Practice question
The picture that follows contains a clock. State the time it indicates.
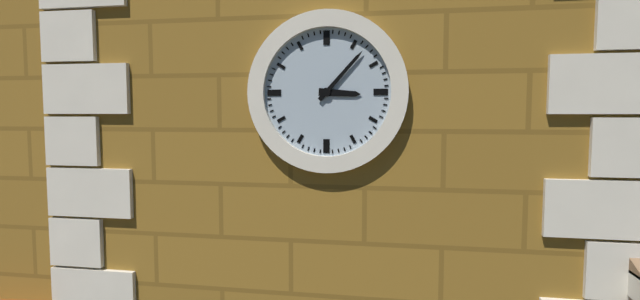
3:07
